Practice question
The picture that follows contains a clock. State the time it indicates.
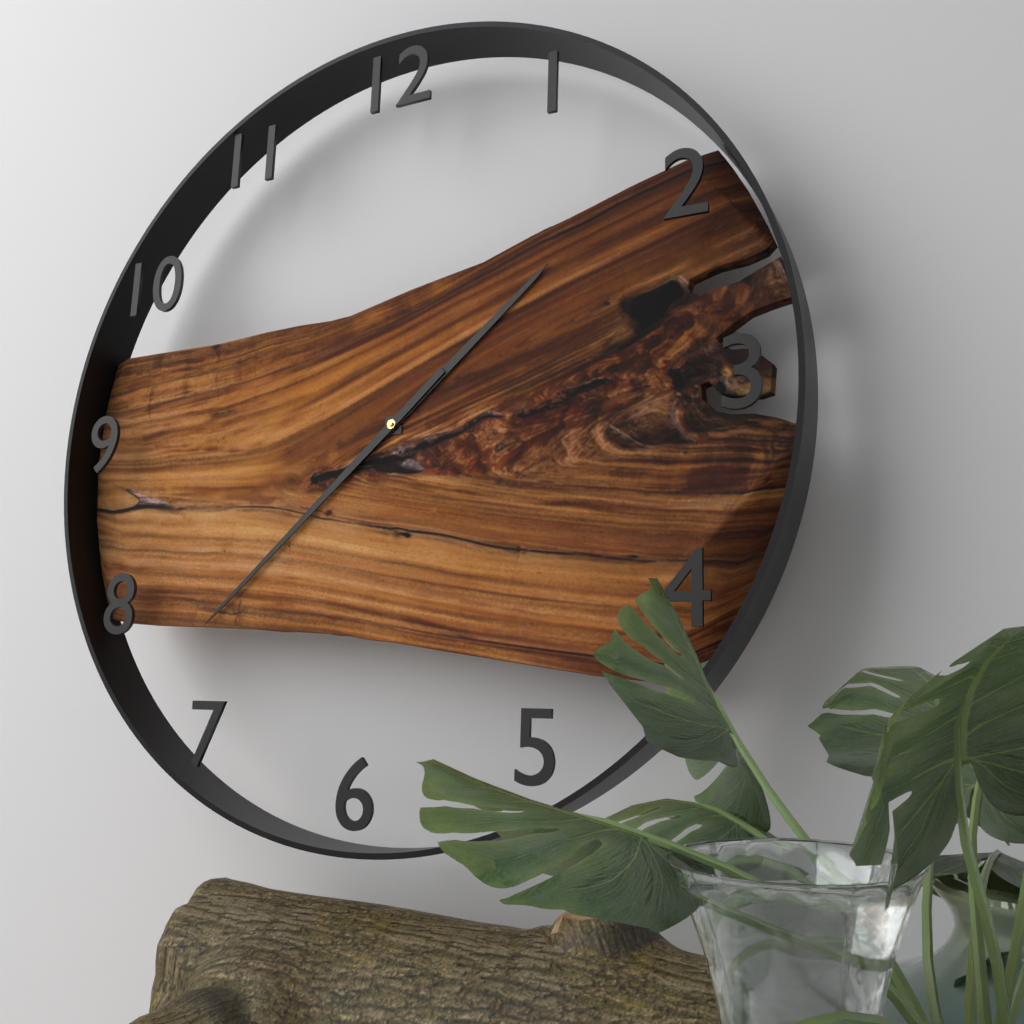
1:38
